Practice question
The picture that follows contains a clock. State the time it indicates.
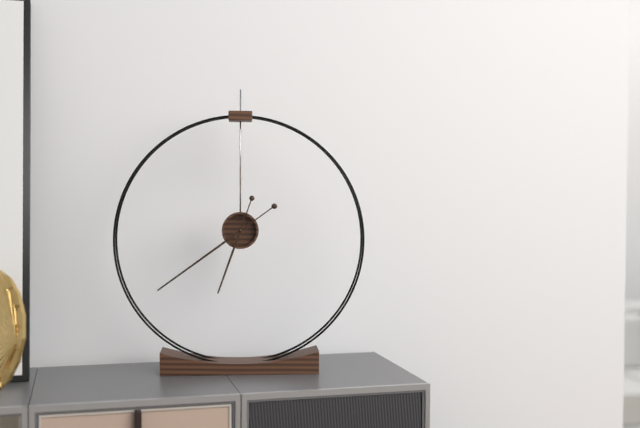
6:39
